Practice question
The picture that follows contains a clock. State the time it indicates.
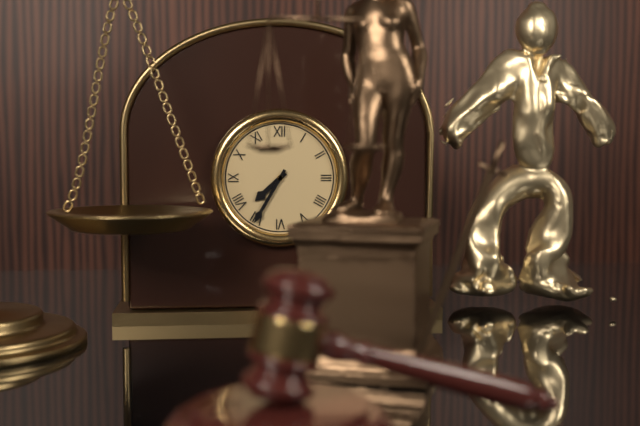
7:35
